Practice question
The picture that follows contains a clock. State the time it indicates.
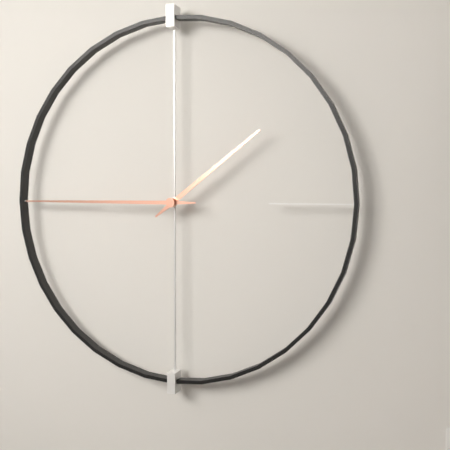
1:45
